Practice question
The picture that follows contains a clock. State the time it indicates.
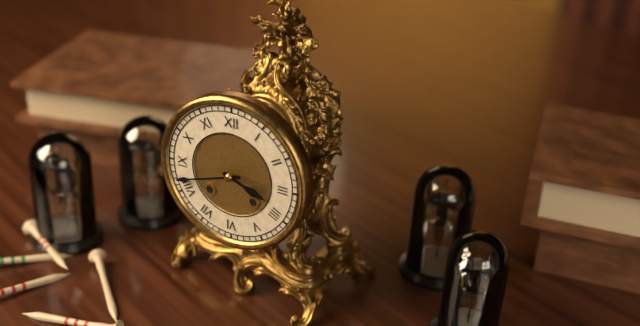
3:42
